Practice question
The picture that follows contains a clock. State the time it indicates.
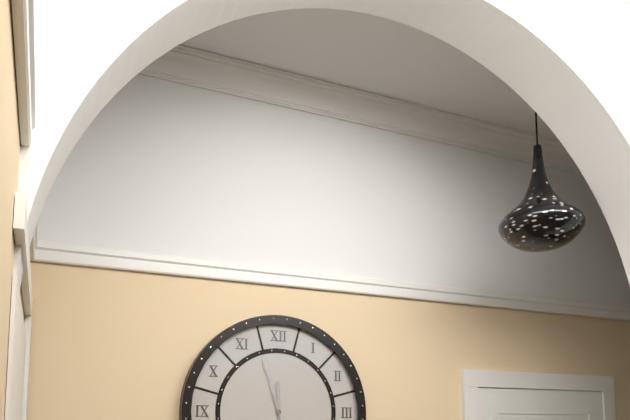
11:57
